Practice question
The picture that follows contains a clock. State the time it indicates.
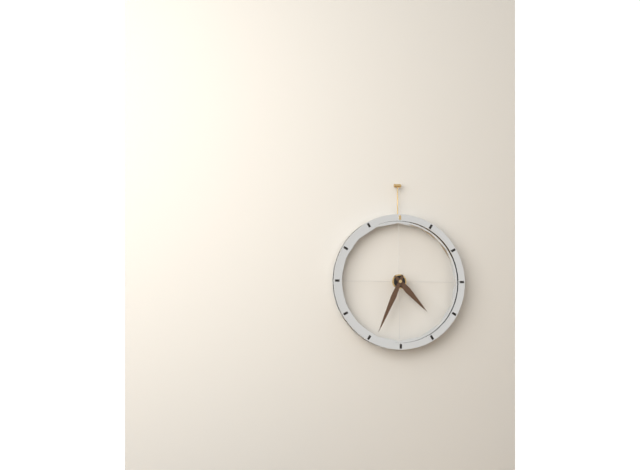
4:34
